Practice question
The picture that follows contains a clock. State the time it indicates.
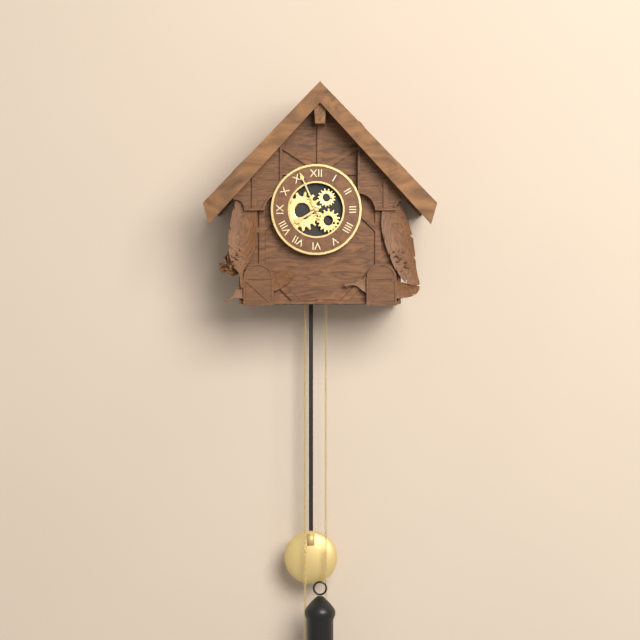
7:56
